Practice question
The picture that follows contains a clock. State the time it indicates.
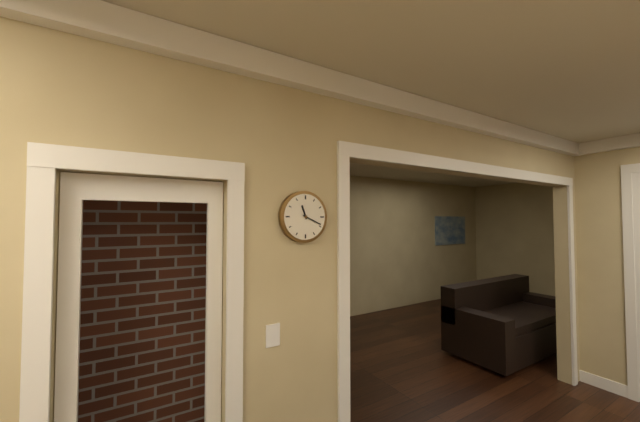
11:19
